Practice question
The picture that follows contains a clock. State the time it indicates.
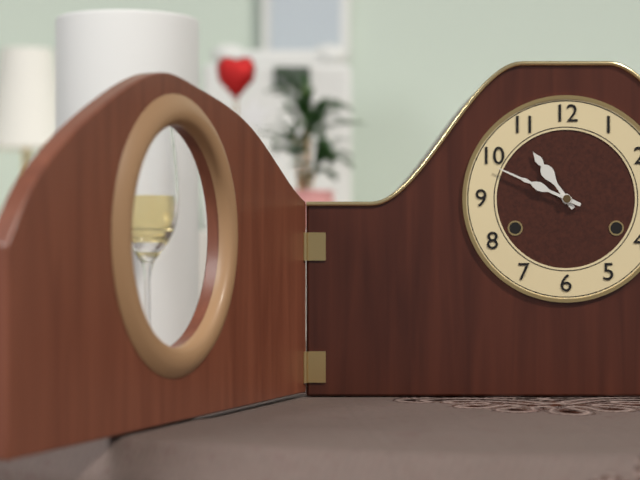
10:49
